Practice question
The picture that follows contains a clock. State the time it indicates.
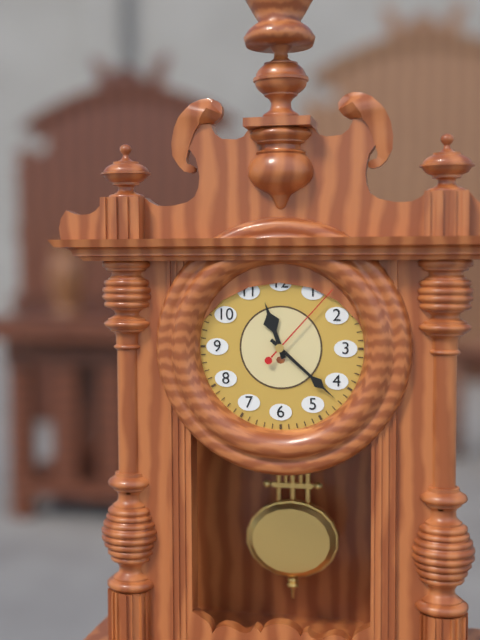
11:22:07
